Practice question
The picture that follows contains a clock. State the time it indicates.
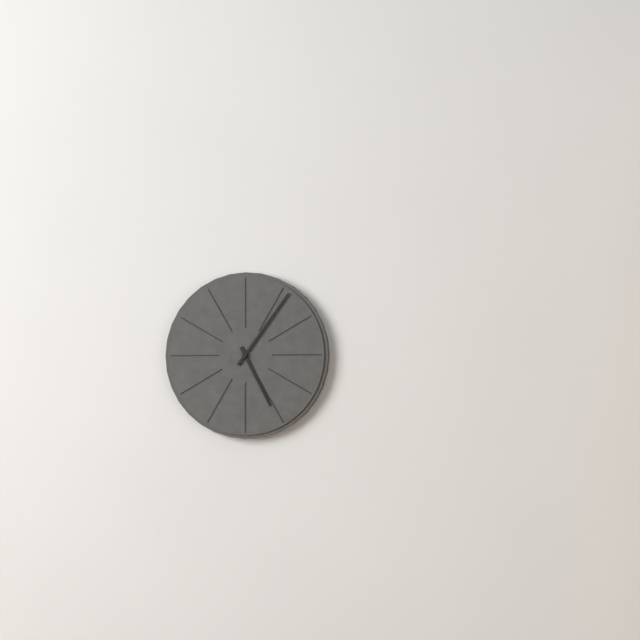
5:06
